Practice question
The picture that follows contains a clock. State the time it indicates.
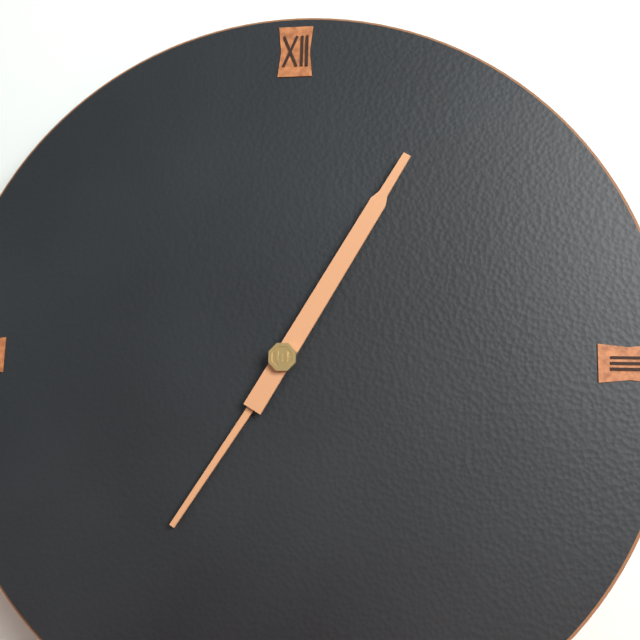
7:05
